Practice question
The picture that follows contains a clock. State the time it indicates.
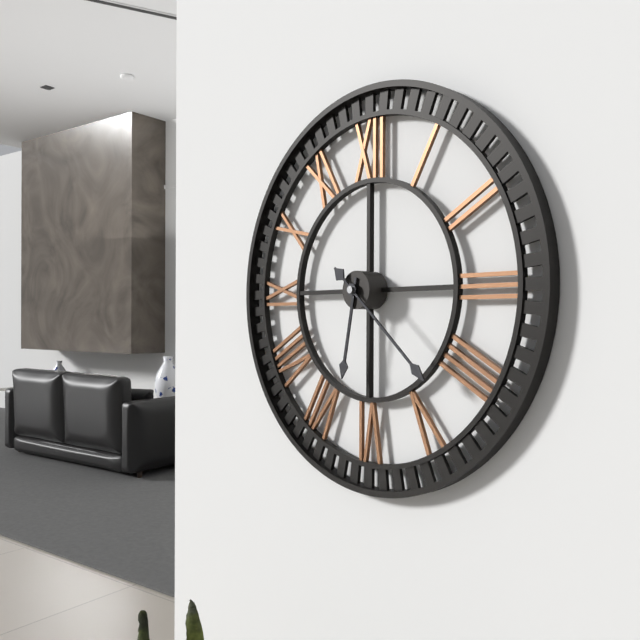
6:22
